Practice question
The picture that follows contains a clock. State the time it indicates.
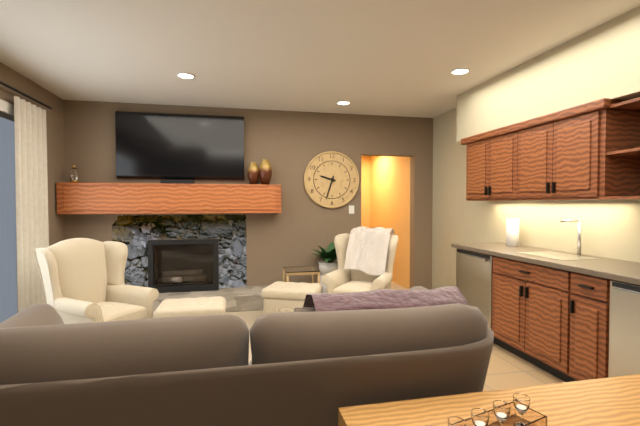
9:33
